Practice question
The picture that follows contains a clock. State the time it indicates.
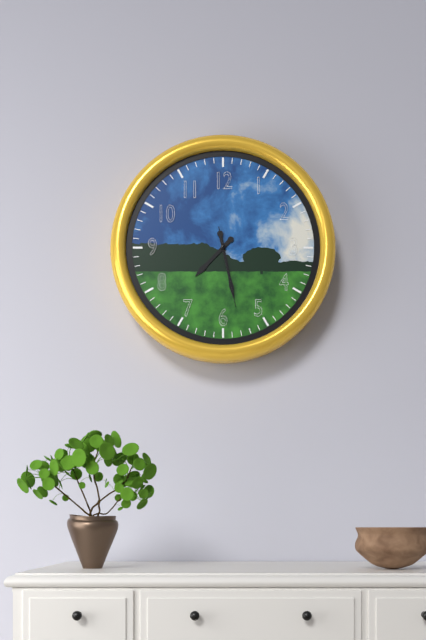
7:28:28
